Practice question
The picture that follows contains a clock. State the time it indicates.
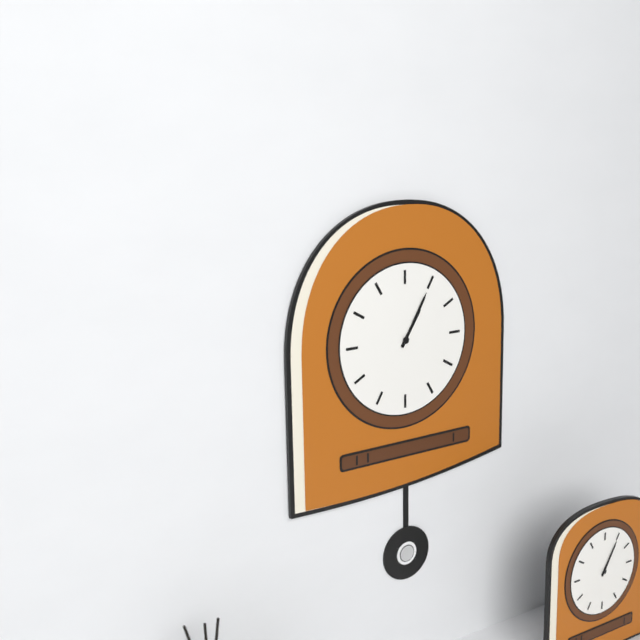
1:05
